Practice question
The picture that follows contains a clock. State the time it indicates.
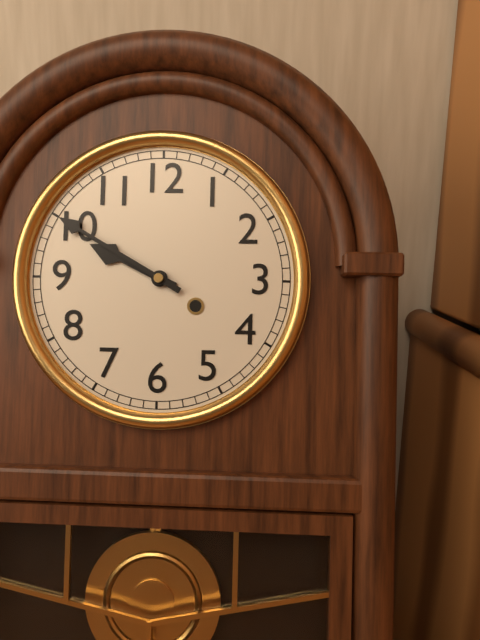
9:50
